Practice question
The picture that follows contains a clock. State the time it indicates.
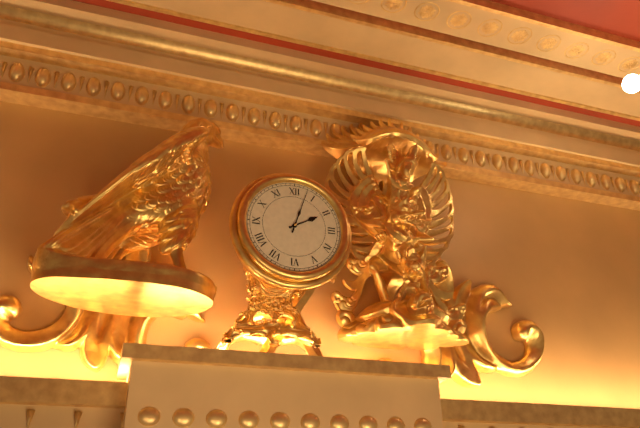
2:03
